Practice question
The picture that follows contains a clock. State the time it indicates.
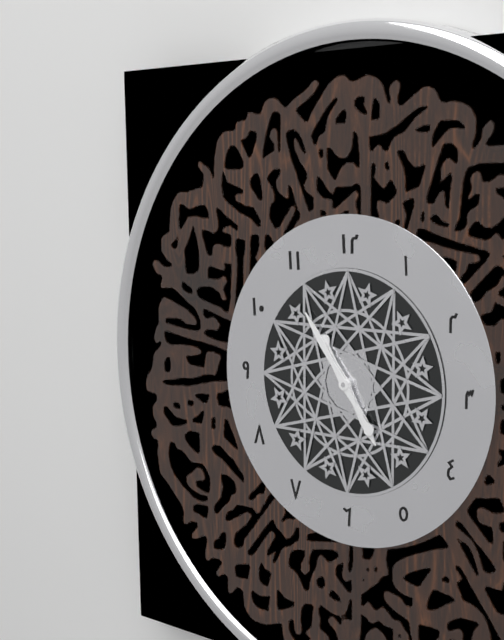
4:54
